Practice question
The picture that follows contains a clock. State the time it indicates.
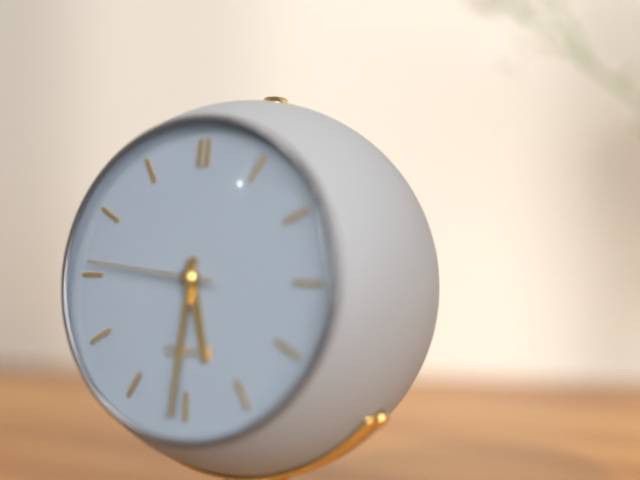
5:31:46
